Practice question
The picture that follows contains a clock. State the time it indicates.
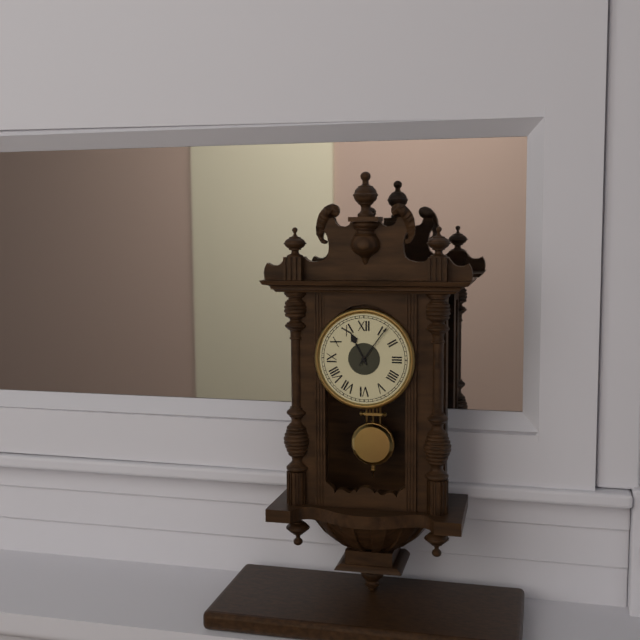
11:06
